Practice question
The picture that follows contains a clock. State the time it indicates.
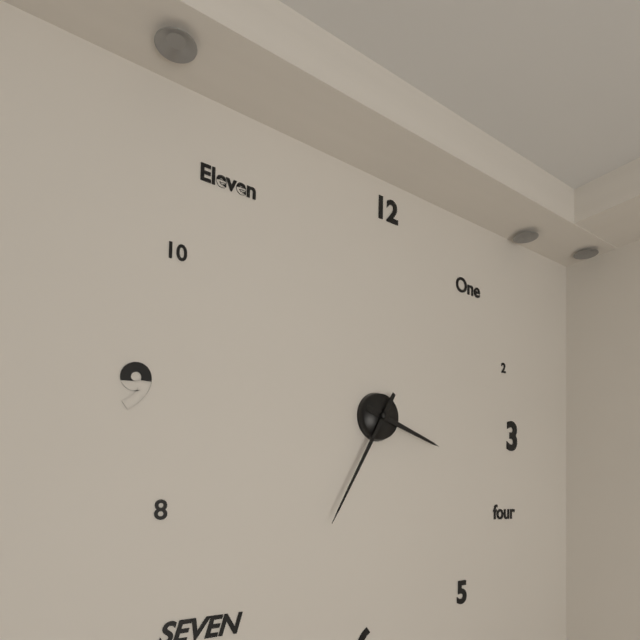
3:35
